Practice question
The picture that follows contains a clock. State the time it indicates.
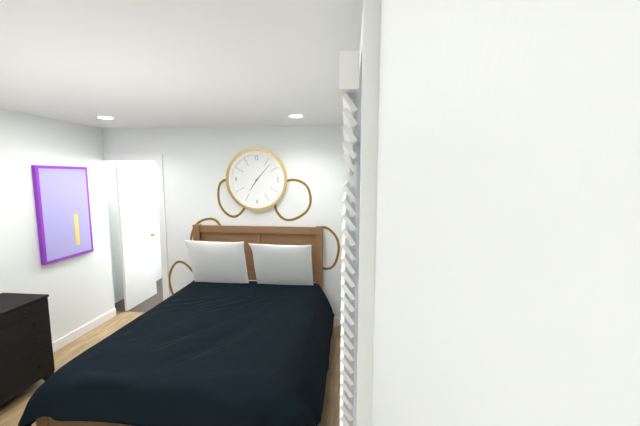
7:07
